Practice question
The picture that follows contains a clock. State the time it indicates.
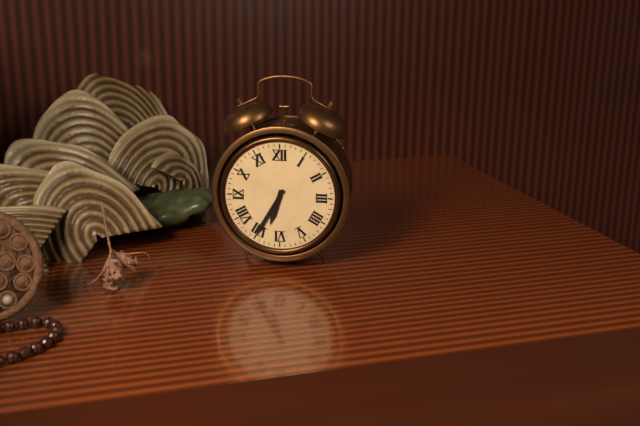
6:35
